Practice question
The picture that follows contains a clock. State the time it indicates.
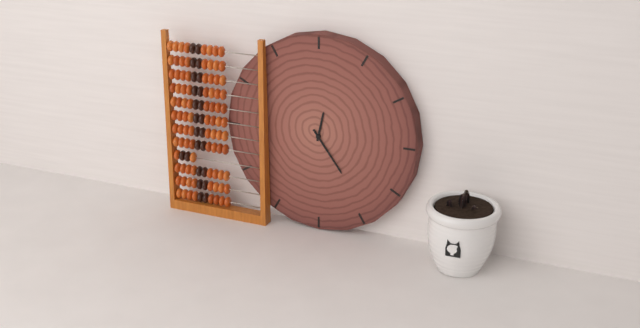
12:24
